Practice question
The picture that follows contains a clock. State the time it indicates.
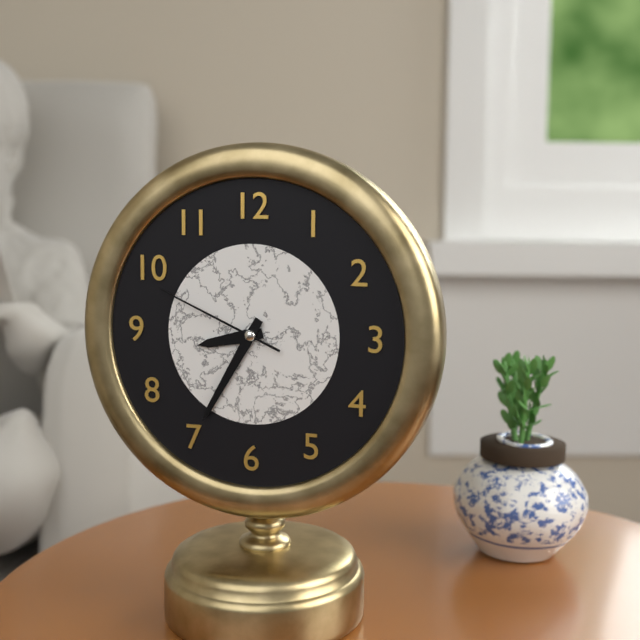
8:35:49
